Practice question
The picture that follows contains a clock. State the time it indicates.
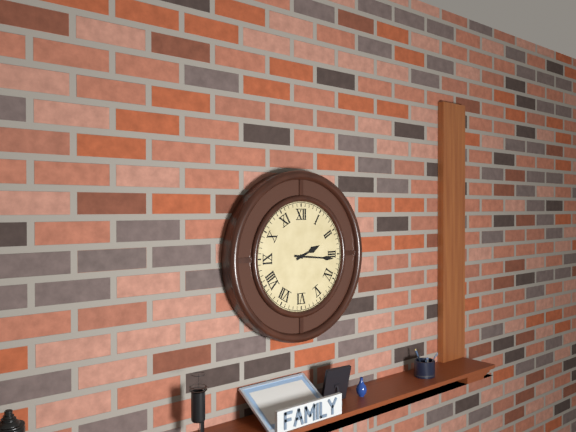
2:16
